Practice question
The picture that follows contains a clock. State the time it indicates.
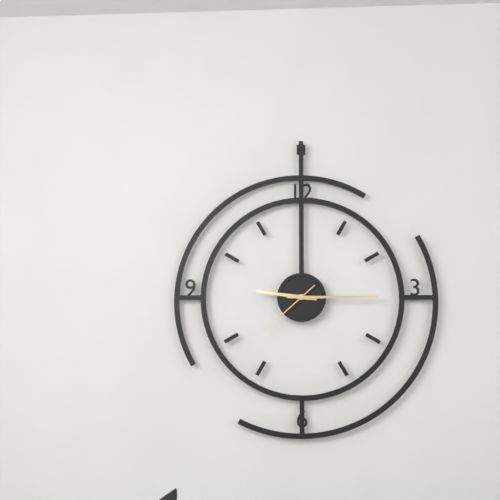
9:15:38
